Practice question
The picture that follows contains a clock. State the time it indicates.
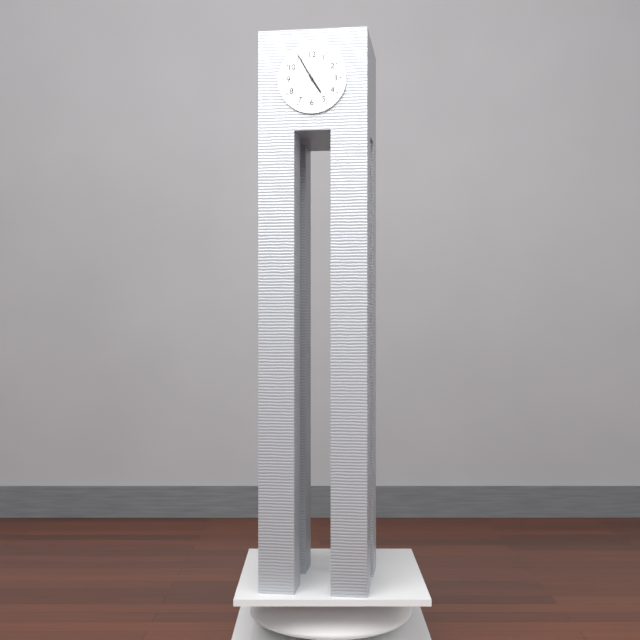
4:55
